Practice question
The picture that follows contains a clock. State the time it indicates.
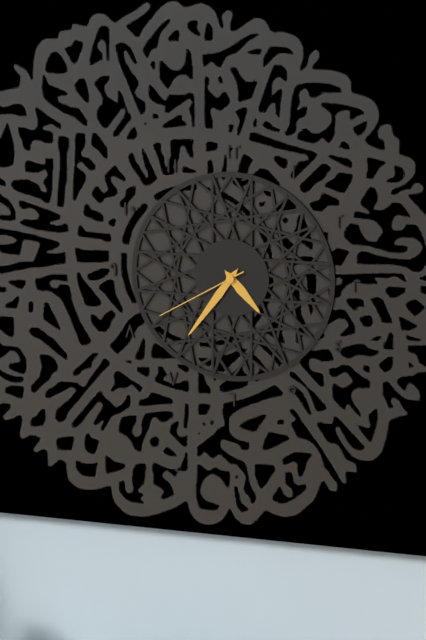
4:36:40
